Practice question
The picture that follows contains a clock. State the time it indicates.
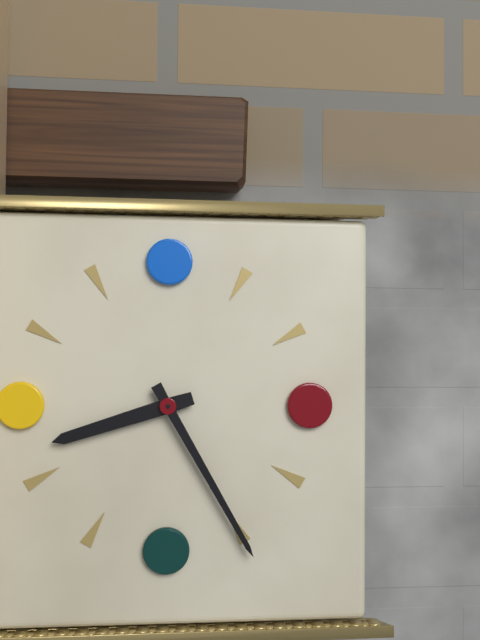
8:25
